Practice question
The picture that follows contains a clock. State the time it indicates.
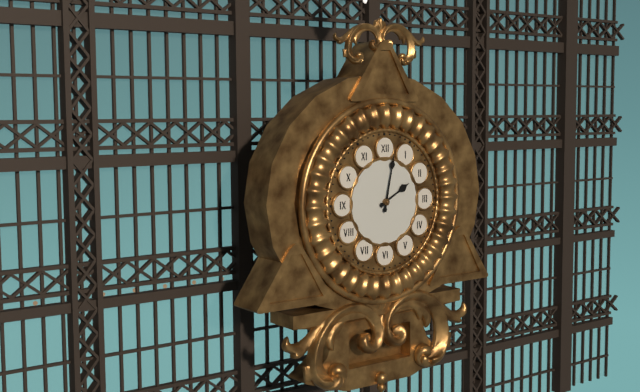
2:02
